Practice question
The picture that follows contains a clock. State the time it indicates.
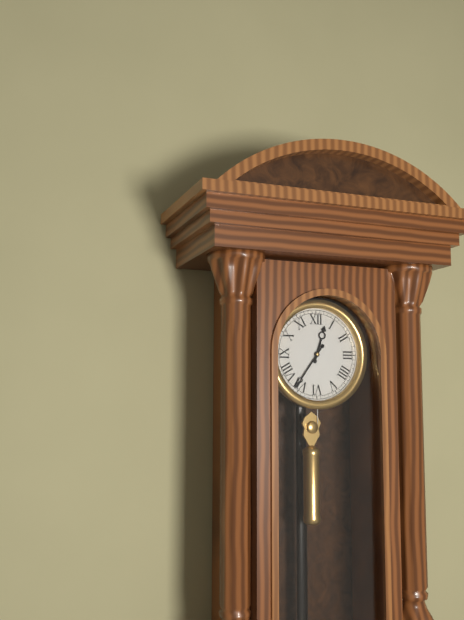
12:36
